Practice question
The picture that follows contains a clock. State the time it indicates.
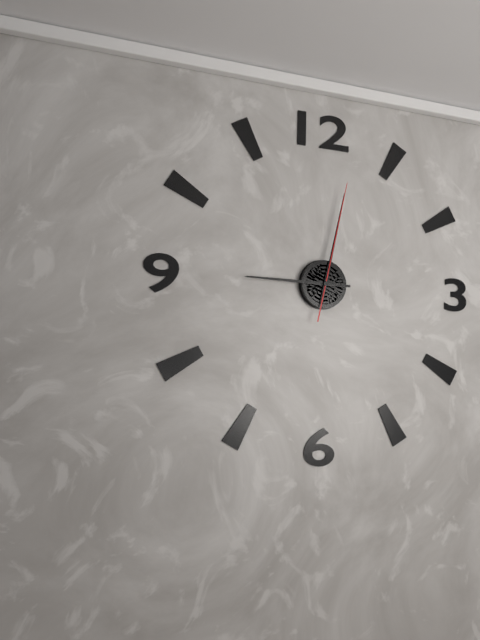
9:02:02
